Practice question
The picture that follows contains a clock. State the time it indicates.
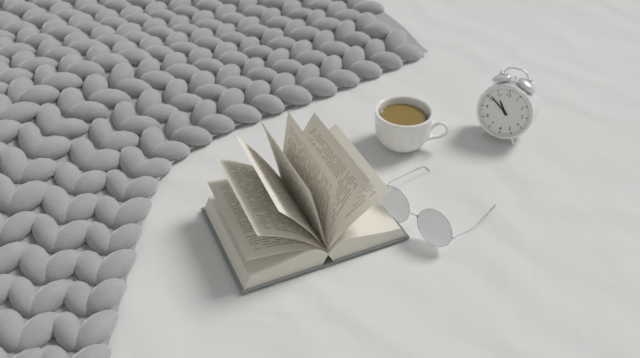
10:51
